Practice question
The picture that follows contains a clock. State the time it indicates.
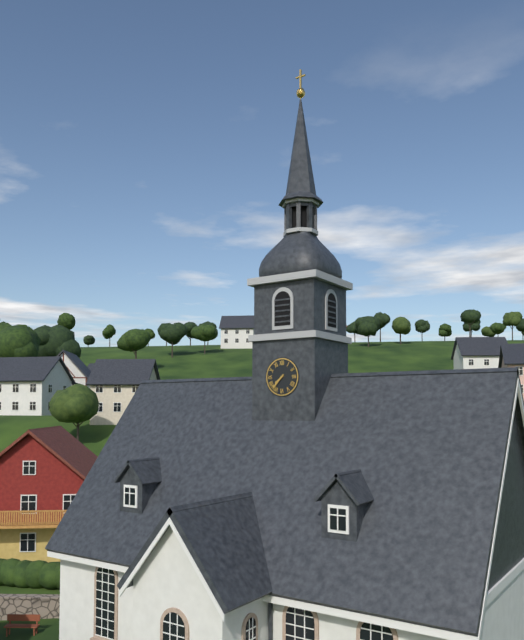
7:37
